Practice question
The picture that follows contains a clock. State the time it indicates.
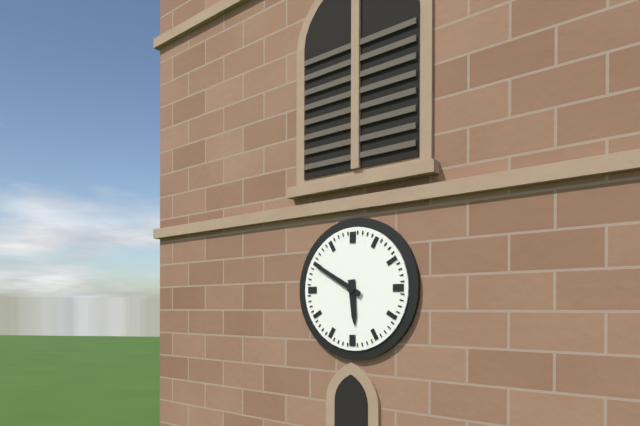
5:50
